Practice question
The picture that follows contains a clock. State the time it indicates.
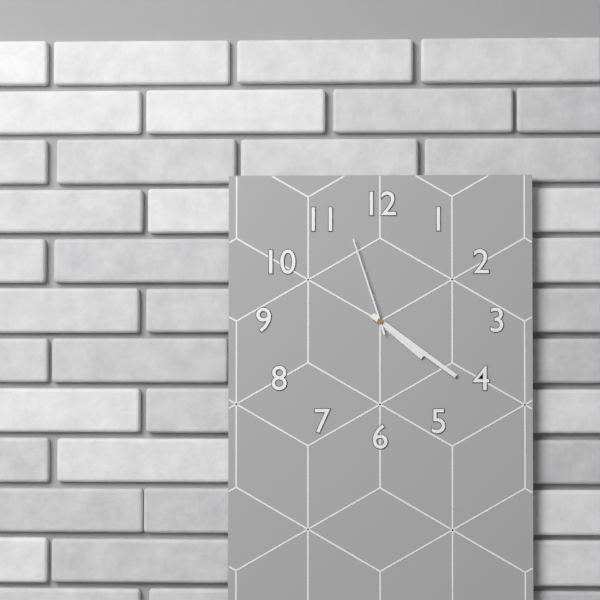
4:21:57
